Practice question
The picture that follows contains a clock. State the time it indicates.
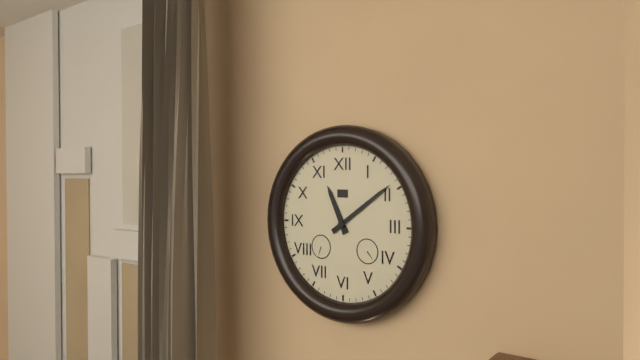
11:09
